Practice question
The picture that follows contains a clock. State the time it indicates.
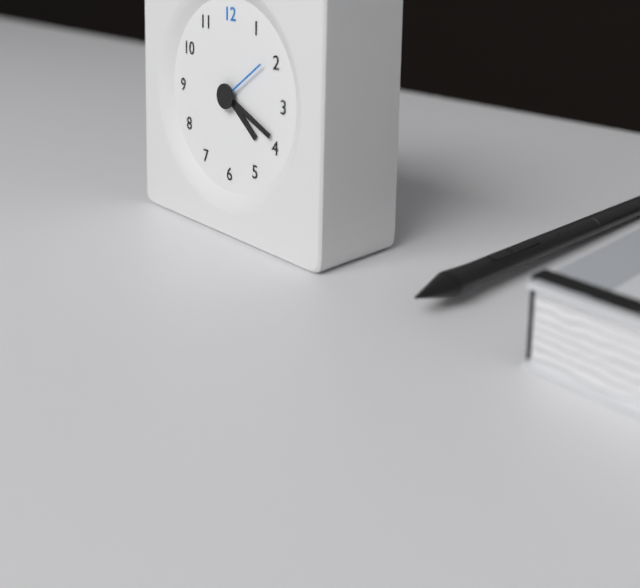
4:19:09
